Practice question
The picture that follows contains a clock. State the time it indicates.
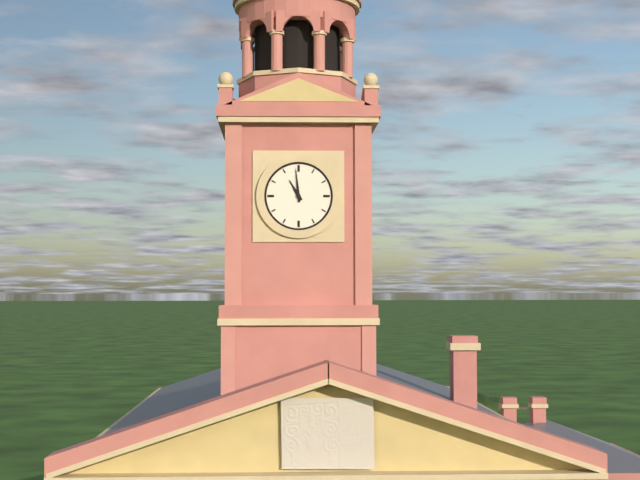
10:59
